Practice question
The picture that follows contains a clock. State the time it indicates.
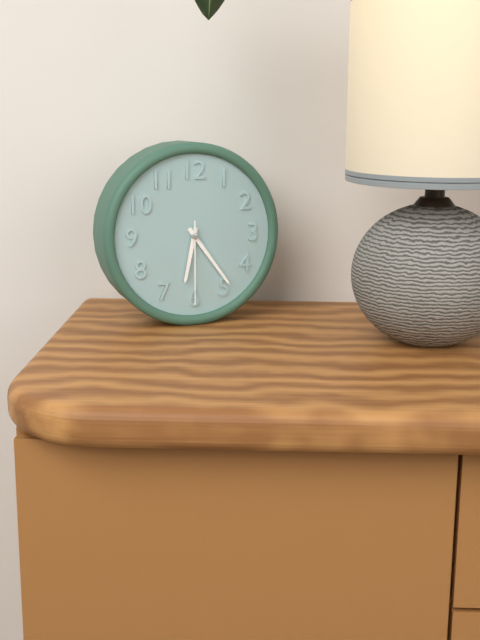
6:24:30
